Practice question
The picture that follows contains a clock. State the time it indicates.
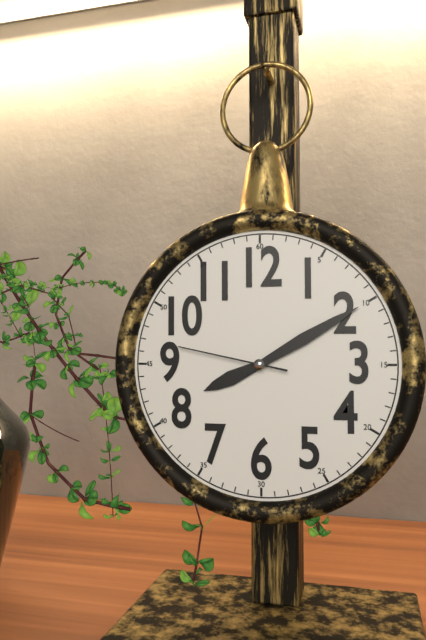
8:10:47
